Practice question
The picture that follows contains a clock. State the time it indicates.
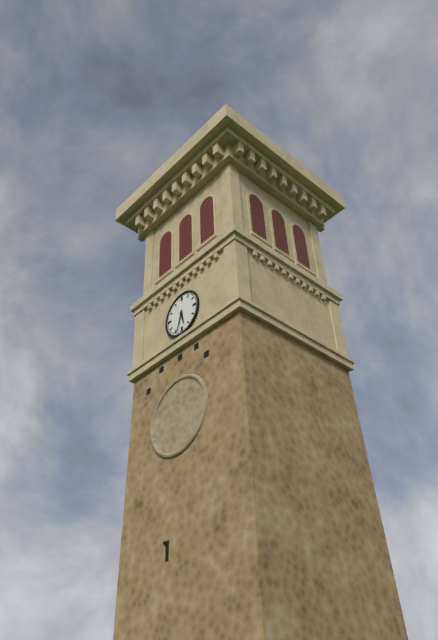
5:33
